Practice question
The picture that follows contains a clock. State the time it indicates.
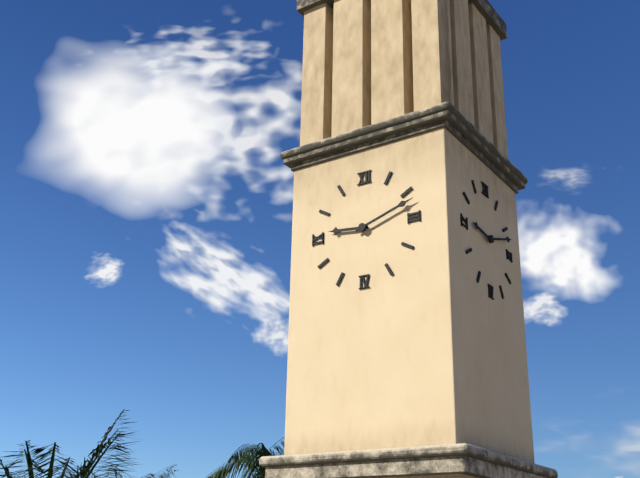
9:12
